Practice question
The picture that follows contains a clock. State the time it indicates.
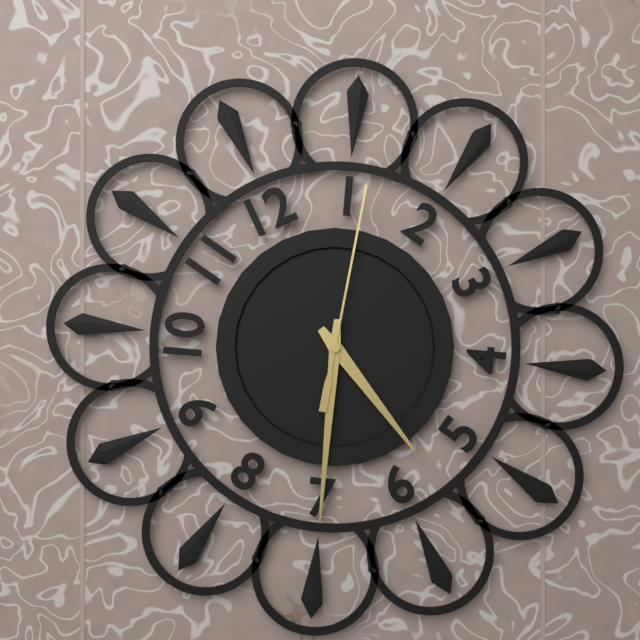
5:35:06
